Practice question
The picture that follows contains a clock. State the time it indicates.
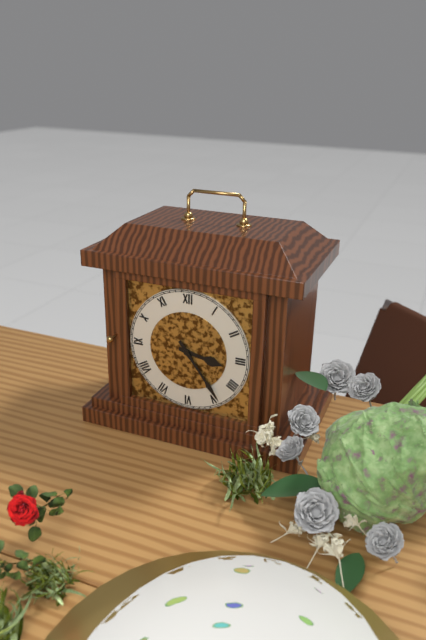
3:24
